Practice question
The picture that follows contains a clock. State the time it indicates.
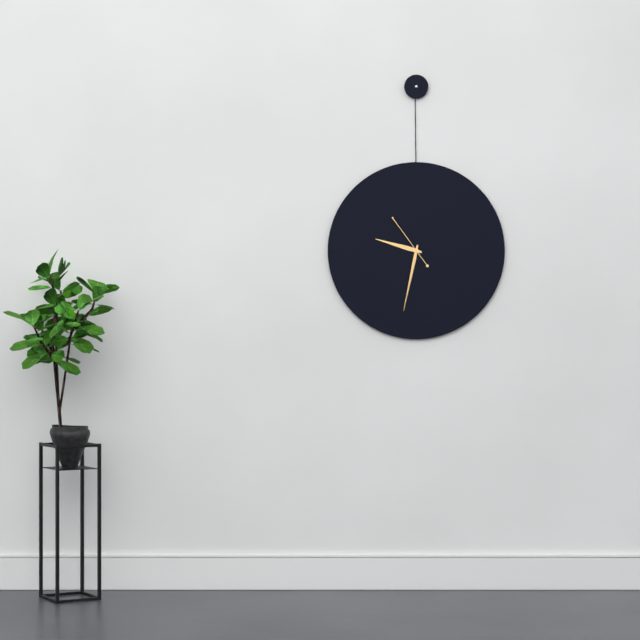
9:32:54
